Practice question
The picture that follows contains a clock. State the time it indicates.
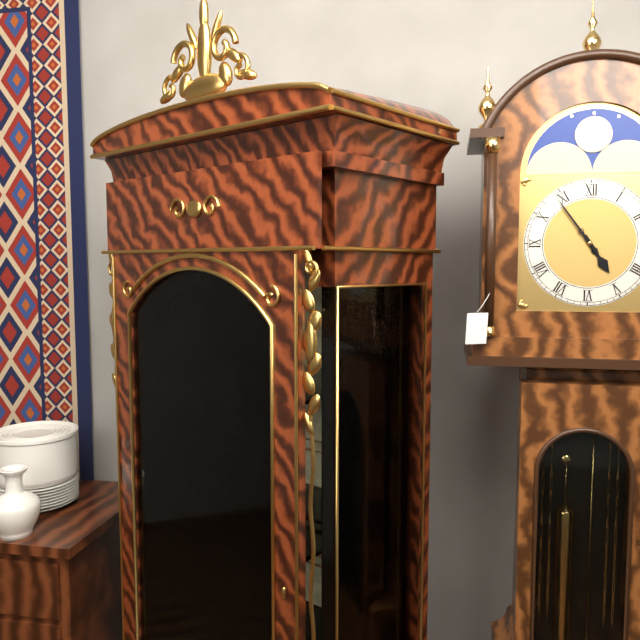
4:54
